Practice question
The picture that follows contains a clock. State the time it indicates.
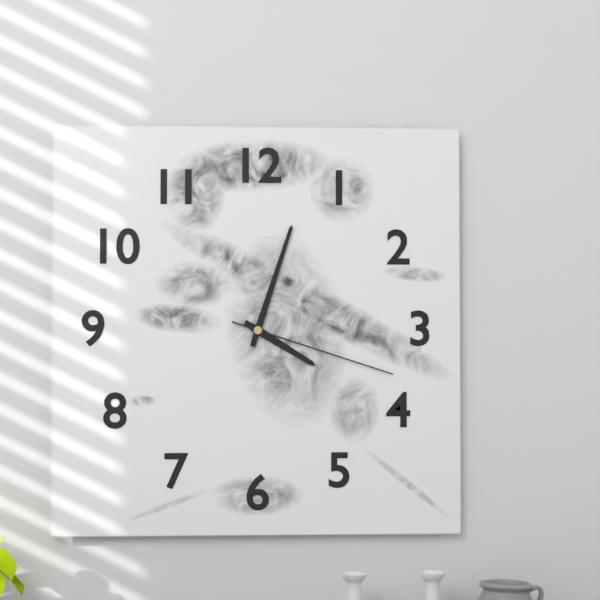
4:03:18
